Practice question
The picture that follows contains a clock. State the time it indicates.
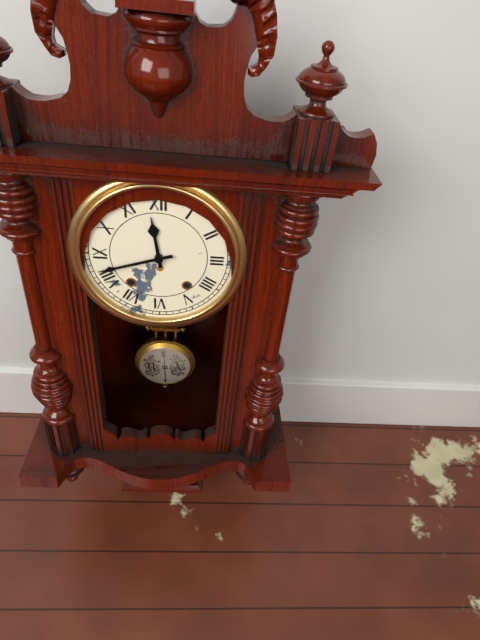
11:42
